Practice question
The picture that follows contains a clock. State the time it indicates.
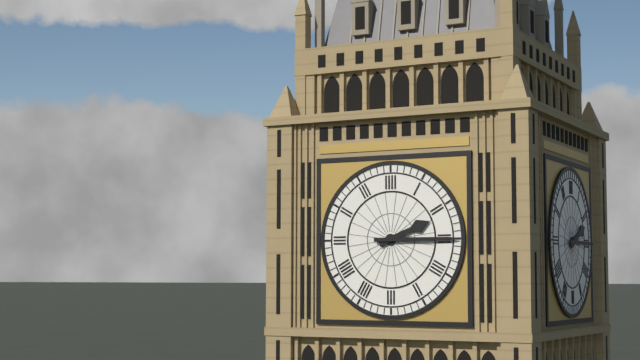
2:15
